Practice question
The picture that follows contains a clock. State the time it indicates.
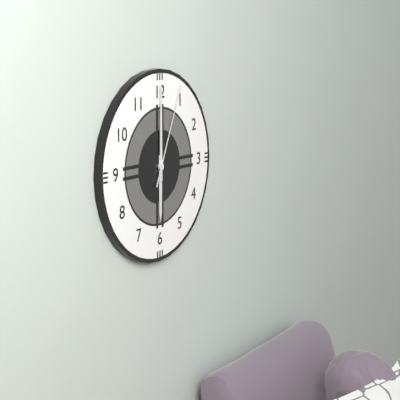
6:00:04
